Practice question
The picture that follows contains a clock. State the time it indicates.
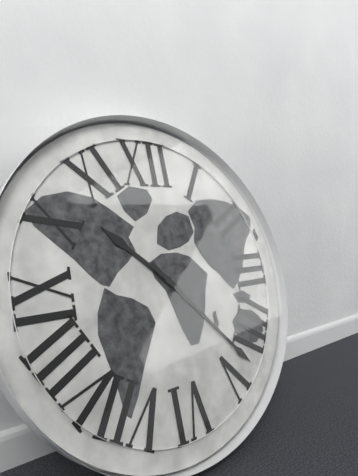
10:23
